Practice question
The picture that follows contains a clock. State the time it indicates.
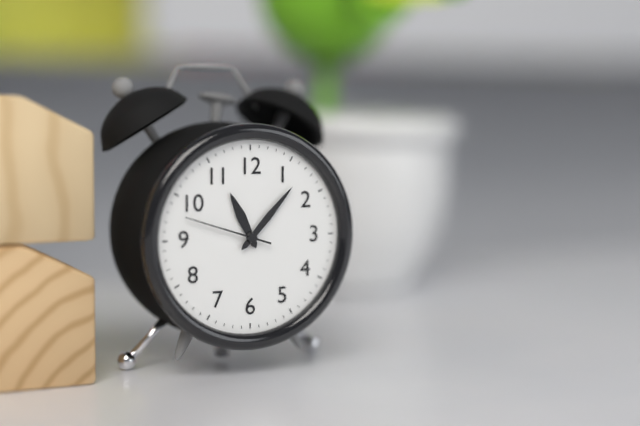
11:07:48
